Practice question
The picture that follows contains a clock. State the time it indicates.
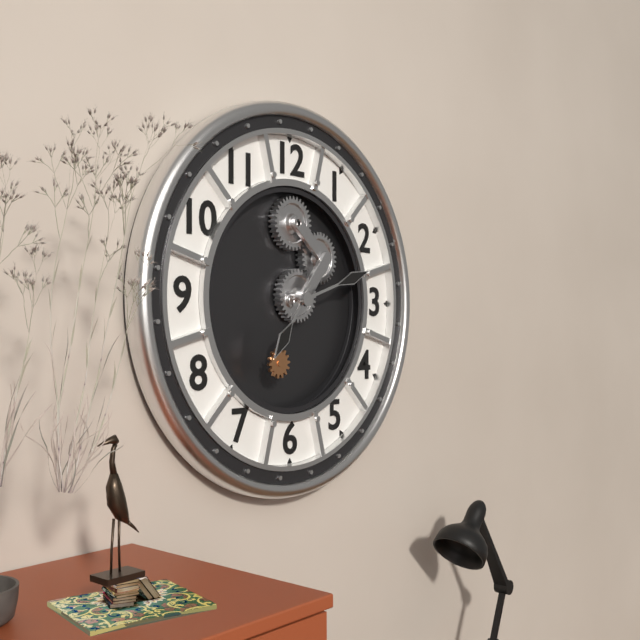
7:12
